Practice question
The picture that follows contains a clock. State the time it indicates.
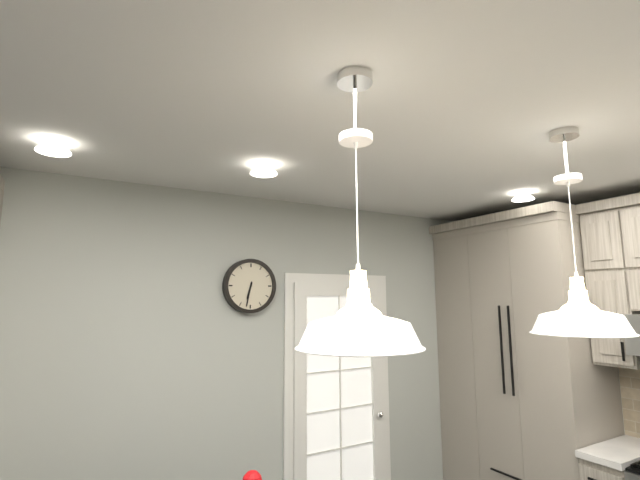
6:32
